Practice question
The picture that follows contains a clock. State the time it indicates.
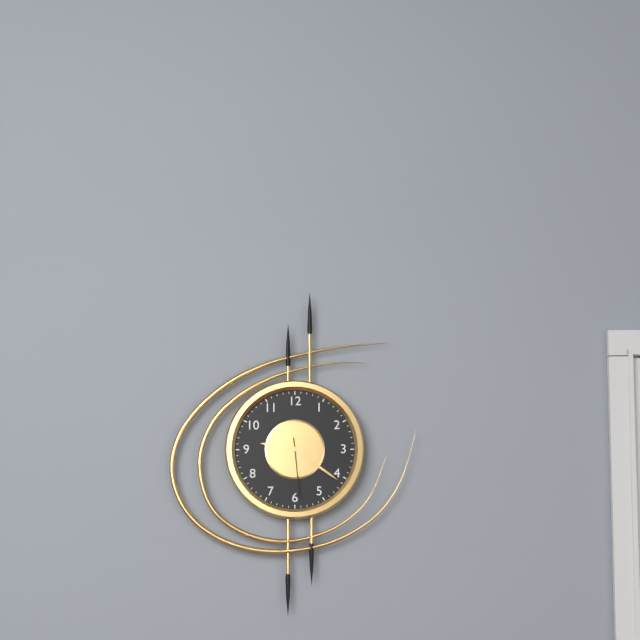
9:21:29
